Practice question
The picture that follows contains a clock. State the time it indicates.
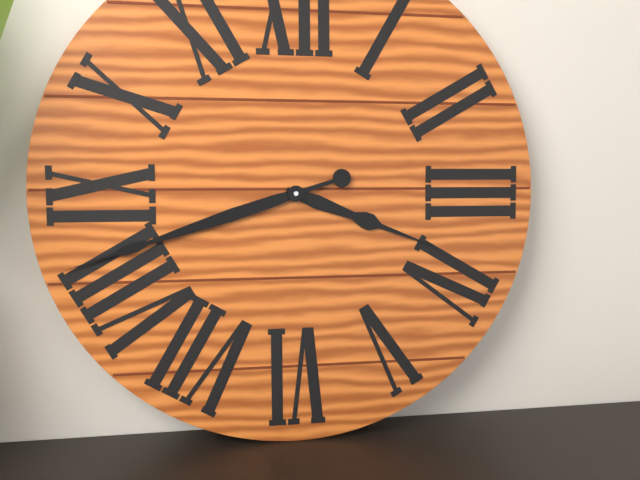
3:42
